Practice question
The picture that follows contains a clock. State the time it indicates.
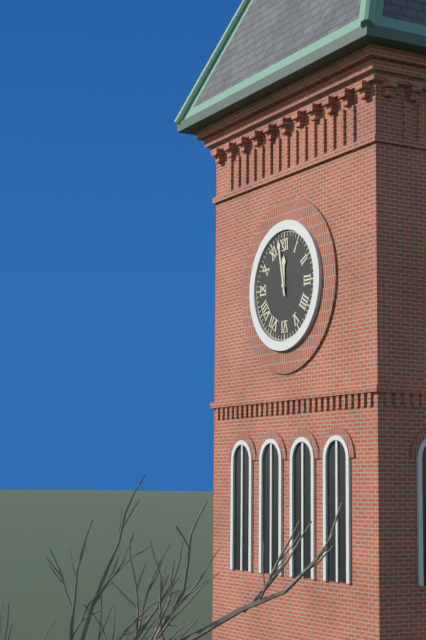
11:58
